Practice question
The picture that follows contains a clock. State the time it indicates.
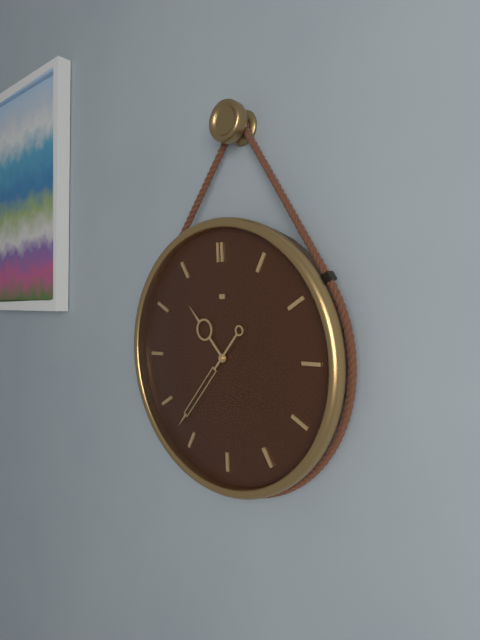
10:37
